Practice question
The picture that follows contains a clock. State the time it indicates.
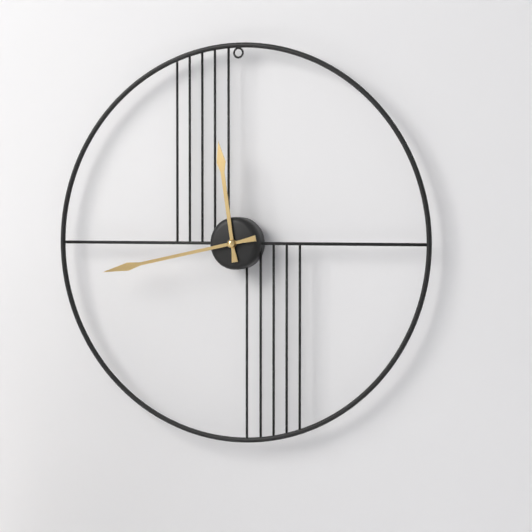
11:43
